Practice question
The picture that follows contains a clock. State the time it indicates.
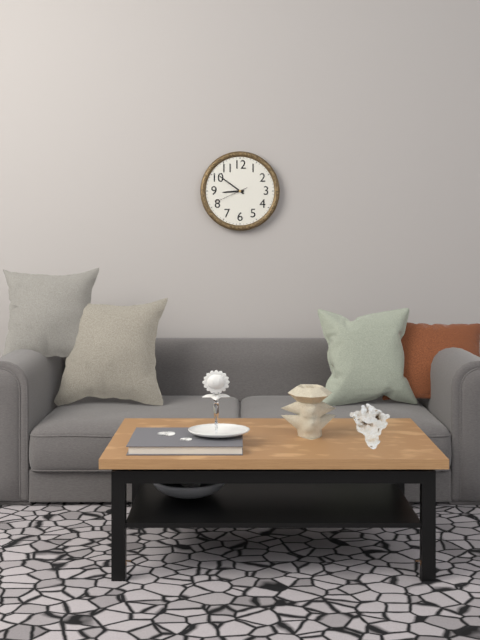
8:51
